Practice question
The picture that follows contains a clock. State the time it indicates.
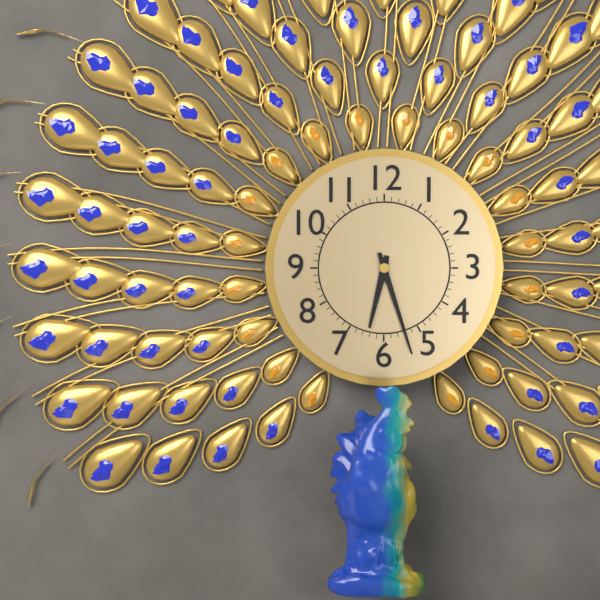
6:27
